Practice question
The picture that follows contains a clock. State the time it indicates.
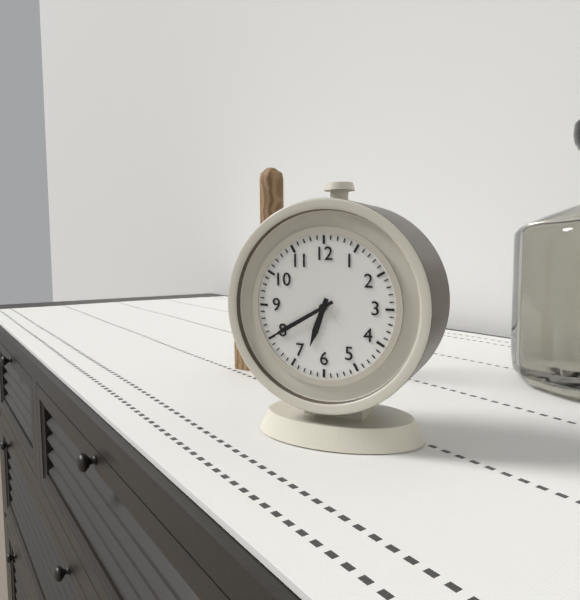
6:40
